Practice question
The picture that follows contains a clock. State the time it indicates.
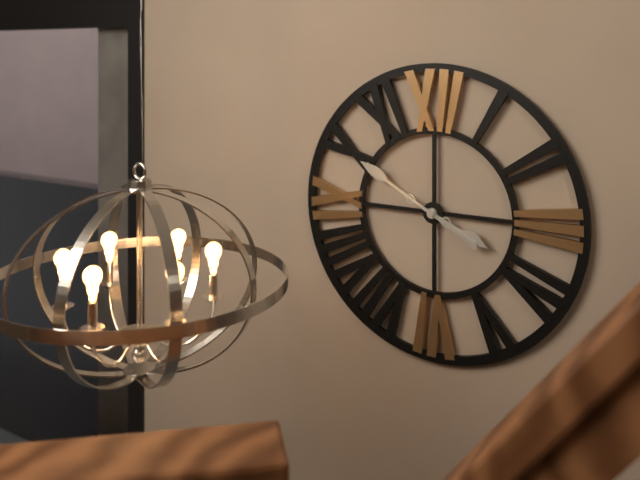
3:50
